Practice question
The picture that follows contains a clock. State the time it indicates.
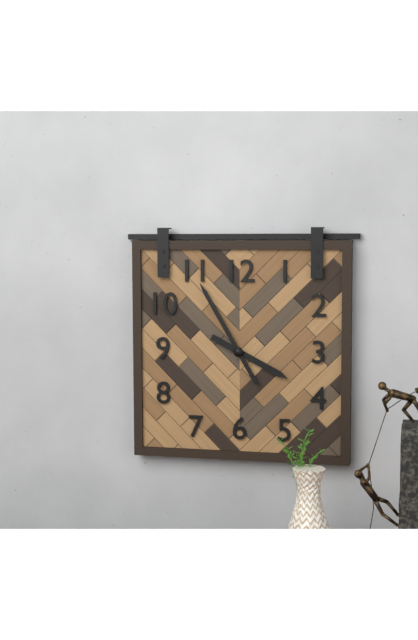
3:55
